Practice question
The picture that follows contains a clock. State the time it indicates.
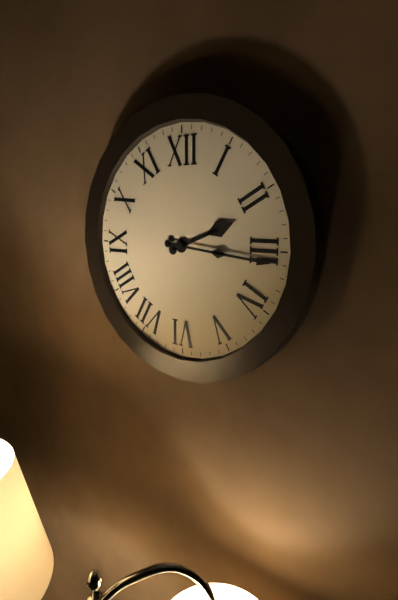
2:16
